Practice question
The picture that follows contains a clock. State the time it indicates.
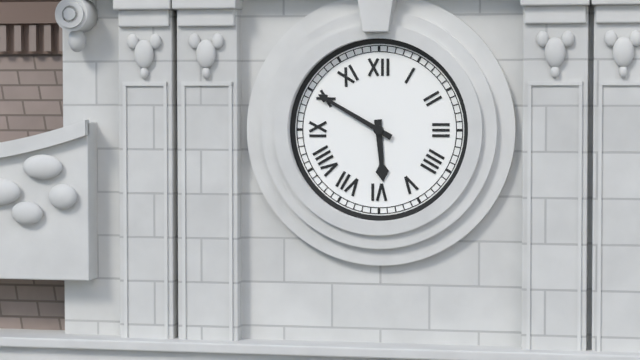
5:50
